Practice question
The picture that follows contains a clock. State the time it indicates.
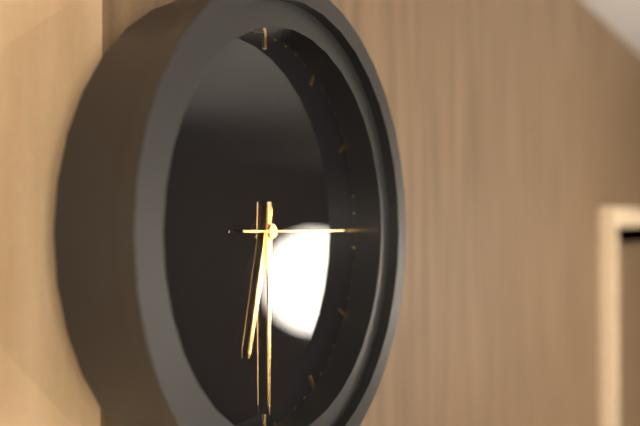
6:30:15
